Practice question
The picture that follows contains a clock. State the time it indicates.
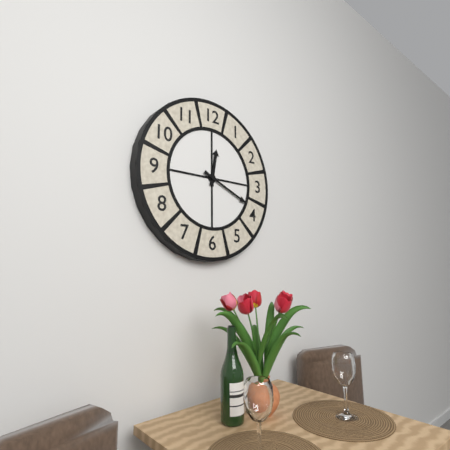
12:19
